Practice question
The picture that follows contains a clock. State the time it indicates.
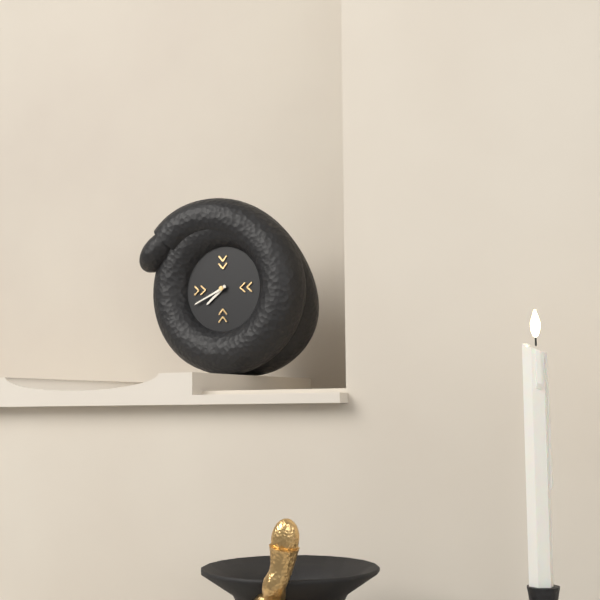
7:41
